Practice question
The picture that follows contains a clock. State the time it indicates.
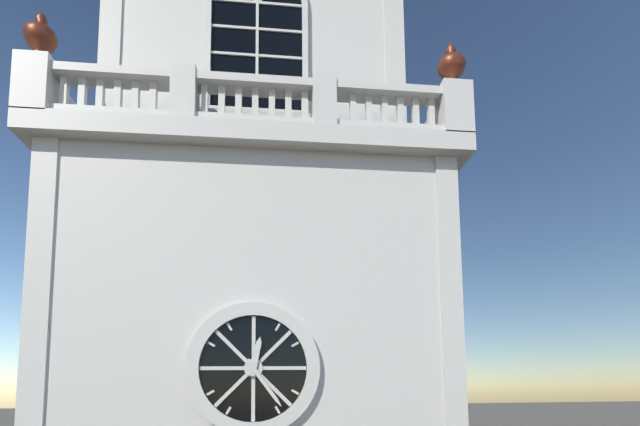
12:24
